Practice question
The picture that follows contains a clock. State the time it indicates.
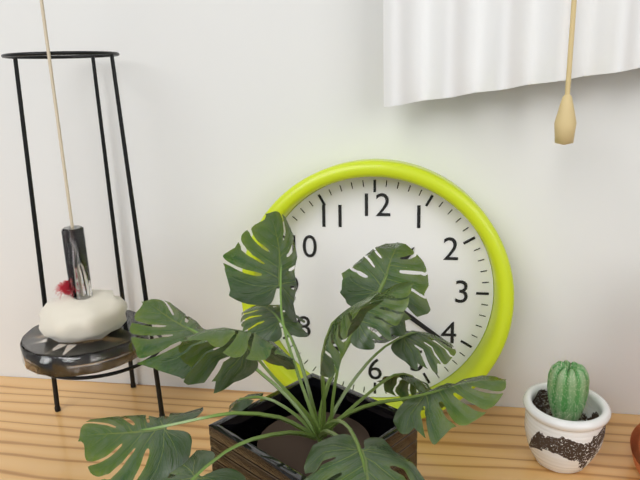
1:21
